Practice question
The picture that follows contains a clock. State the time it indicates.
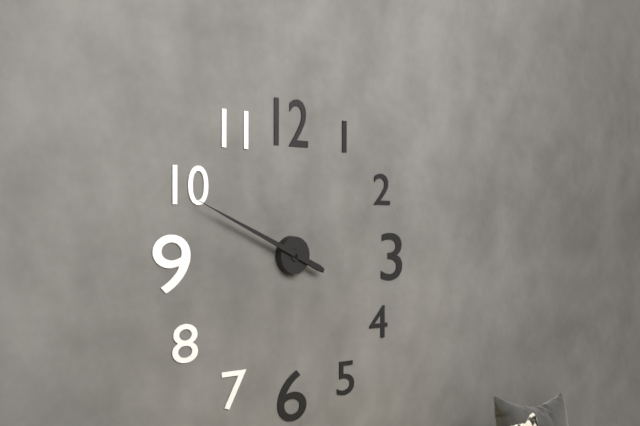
9:49
